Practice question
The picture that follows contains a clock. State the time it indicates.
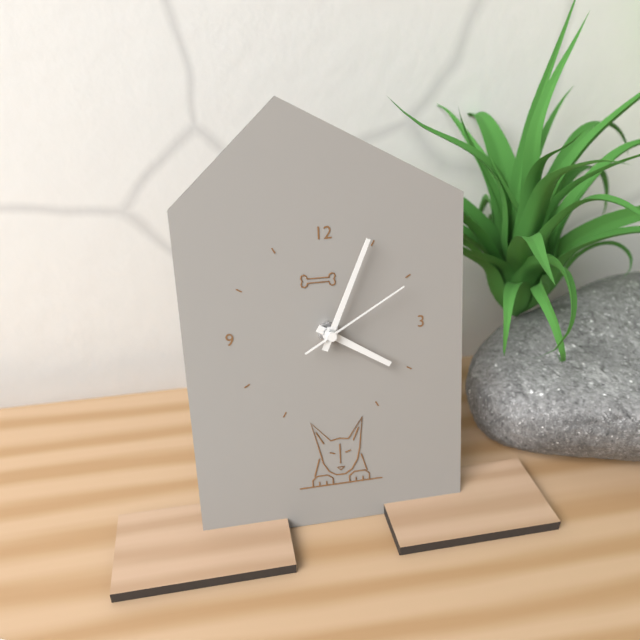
4:04:10
